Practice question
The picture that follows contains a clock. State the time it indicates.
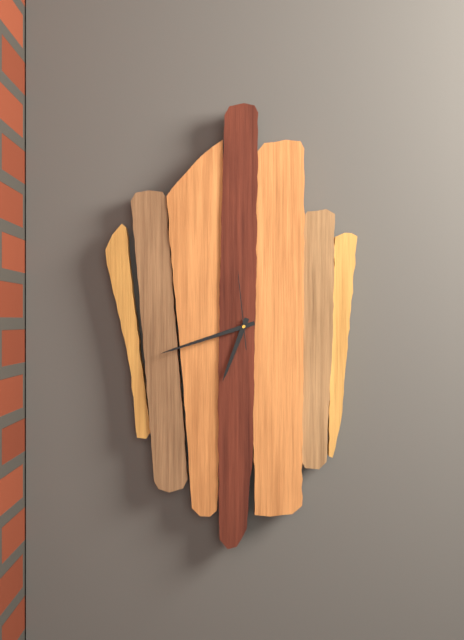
6:42:59
